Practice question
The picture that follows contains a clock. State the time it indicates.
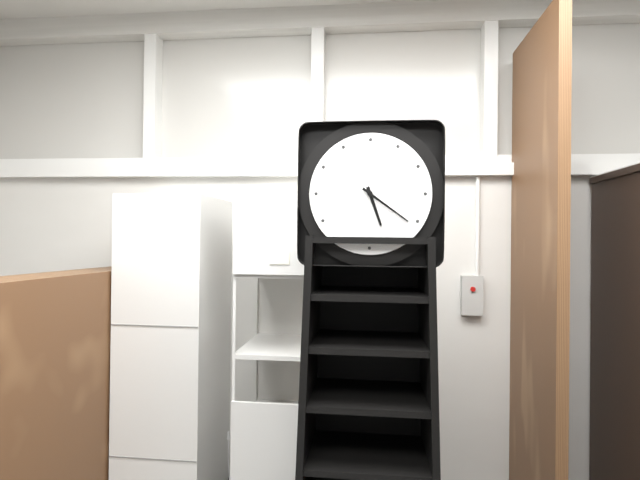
5:21
